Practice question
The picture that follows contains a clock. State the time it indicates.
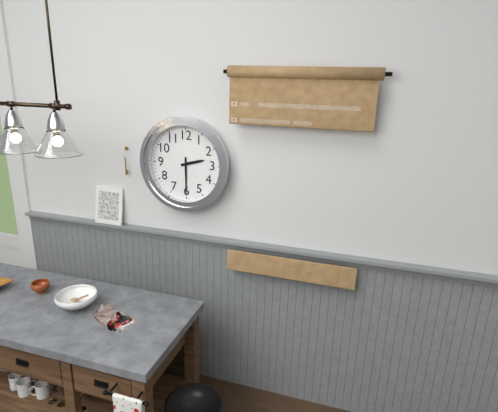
2:30
